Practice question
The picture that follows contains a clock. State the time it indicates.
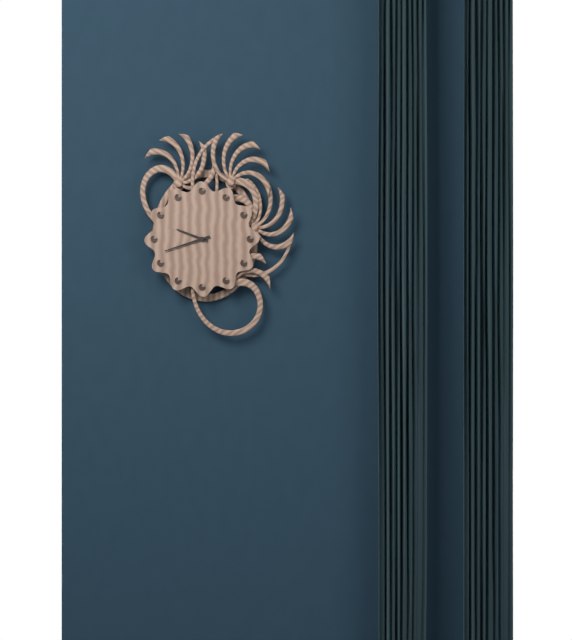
9:42
